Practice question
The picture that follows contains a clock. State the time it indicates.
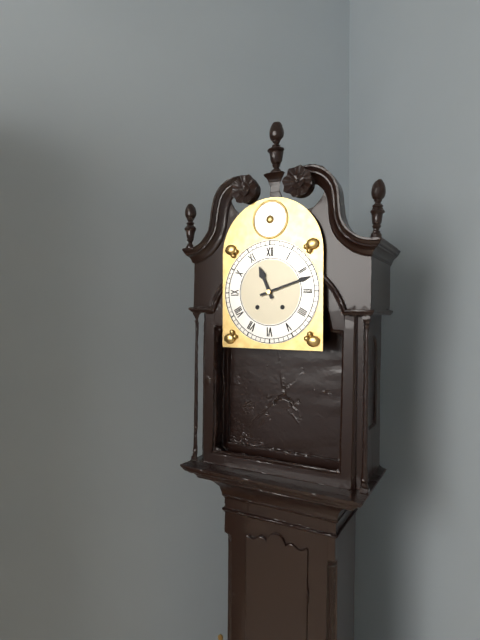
11:12
